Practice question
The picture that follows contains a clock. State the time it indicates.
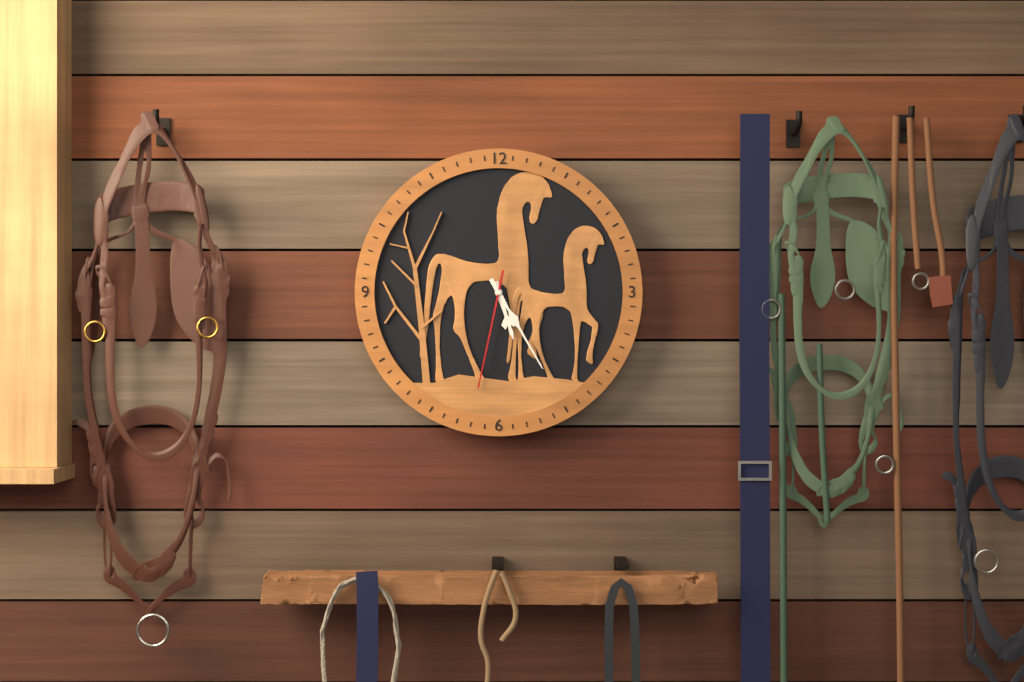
5:25:32
